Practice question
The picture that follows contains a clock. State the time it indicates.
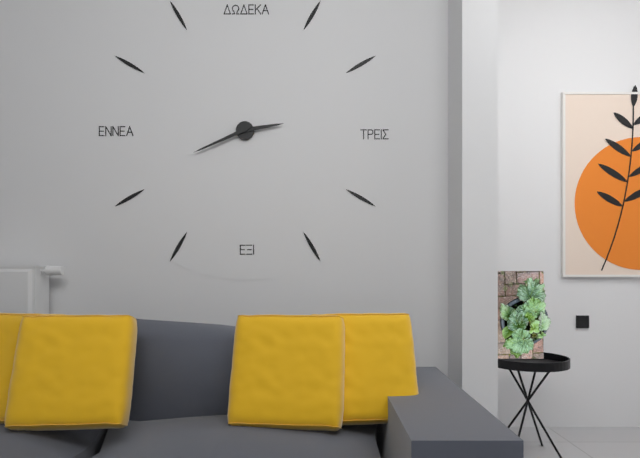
2:41
